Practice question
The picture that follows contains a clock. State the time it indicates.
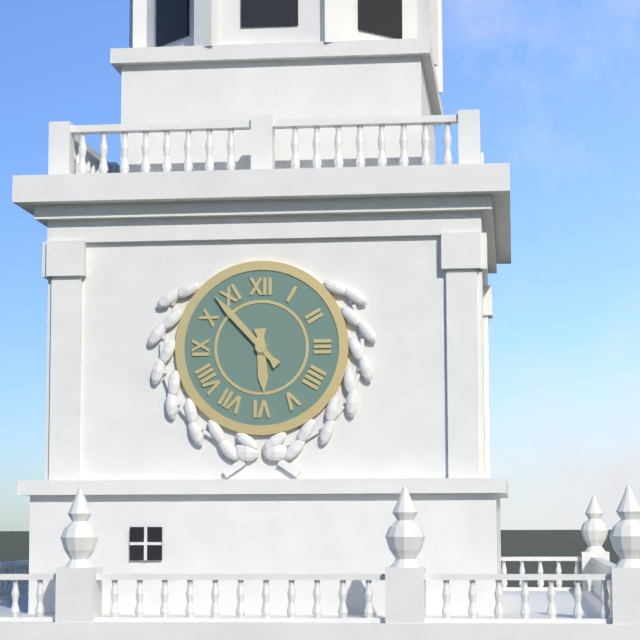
5:53
